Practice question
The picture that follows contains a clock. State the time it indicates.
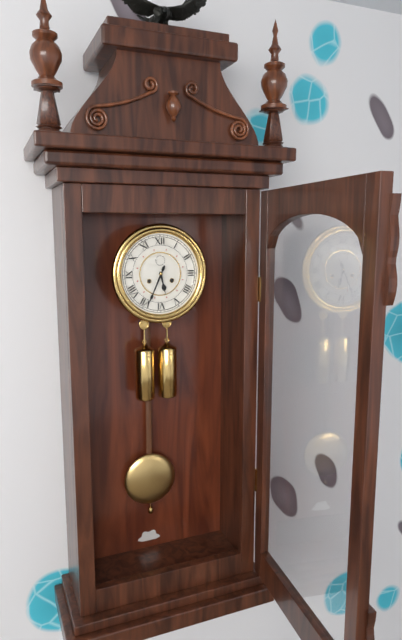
5:34
